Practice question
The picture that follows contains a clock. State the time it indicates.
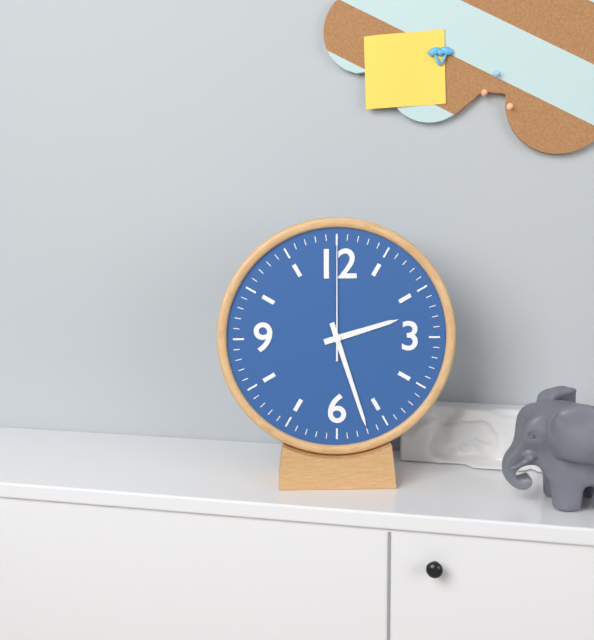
2:27:00
